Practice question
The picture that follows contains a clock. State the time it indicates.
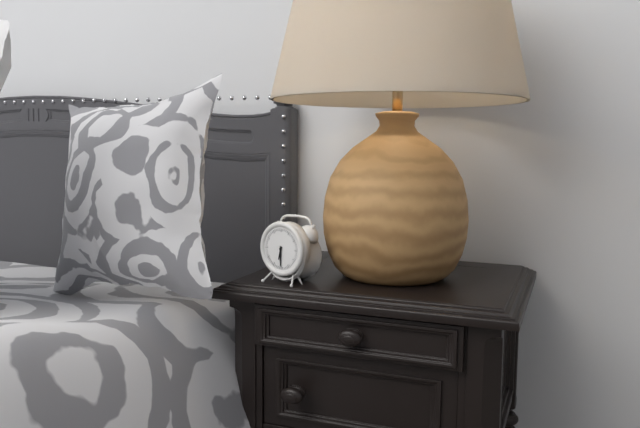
6:30
